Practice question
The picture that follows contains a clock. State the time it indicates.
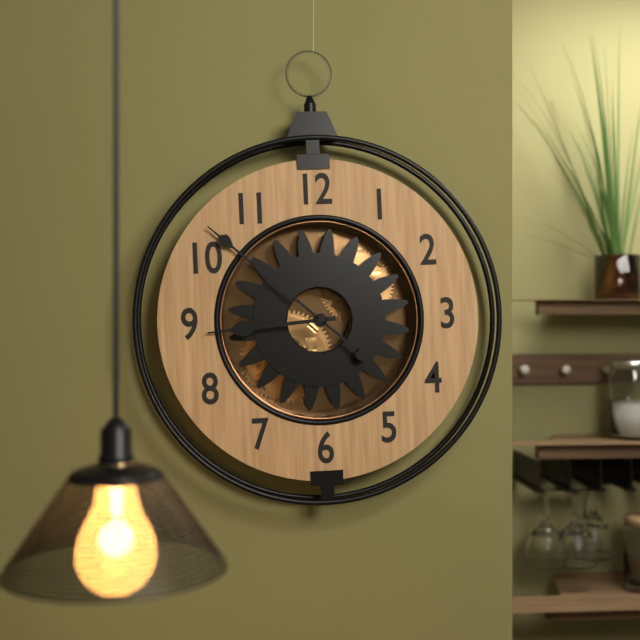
8:52
